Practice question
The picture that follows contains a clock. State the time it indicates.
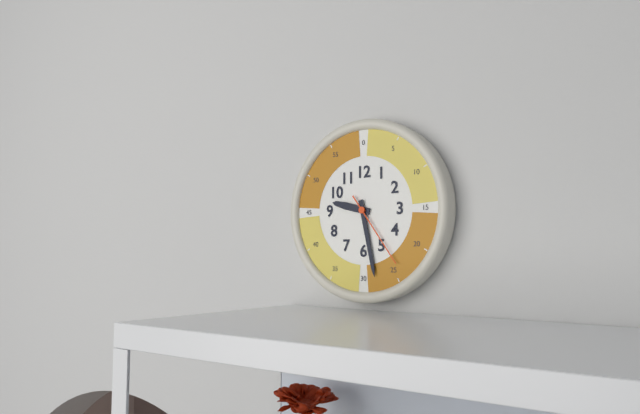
9:28:24
